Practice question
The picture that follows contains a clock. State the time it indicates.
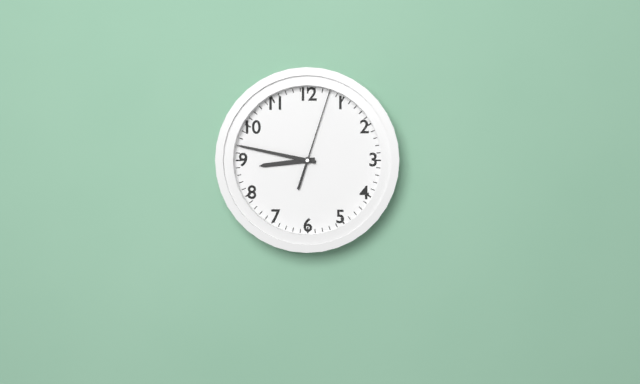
8:47:03
